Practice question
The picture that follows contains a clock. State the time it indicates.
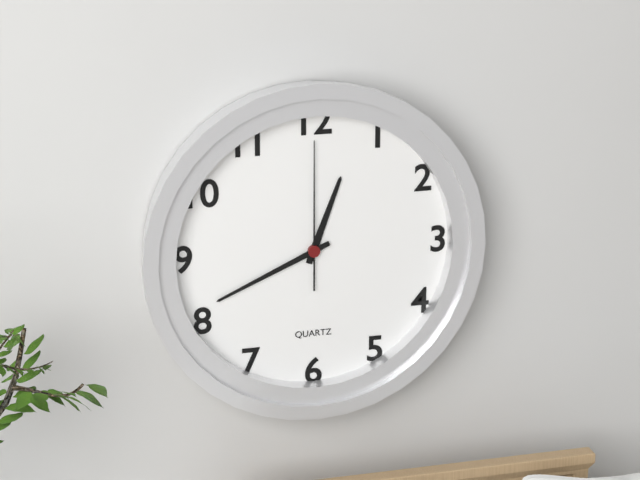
12:41:00
